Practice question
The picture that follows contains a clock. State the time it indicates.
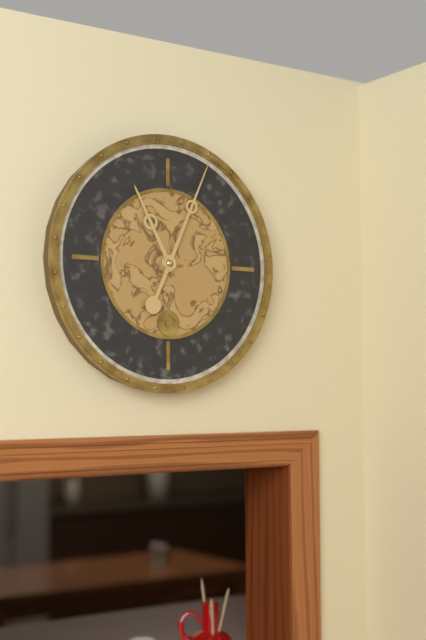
11:04
